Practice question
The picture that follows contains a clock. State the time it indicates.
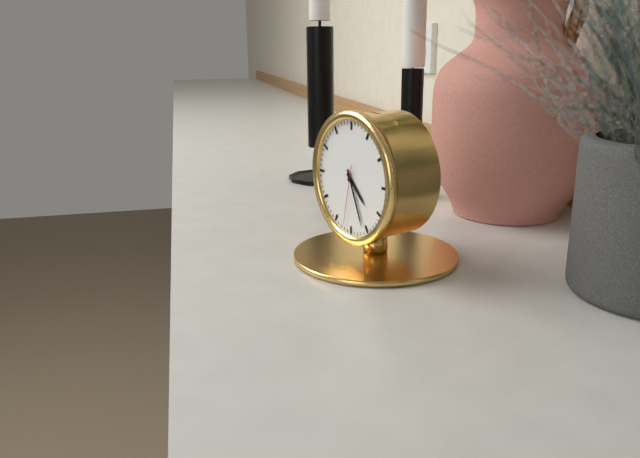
4:26:32
